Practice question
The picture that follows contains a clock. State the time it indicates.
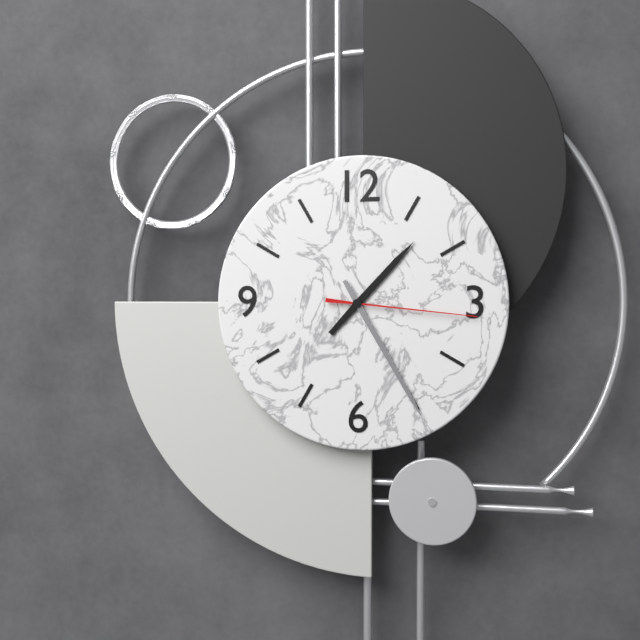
1:25:16
